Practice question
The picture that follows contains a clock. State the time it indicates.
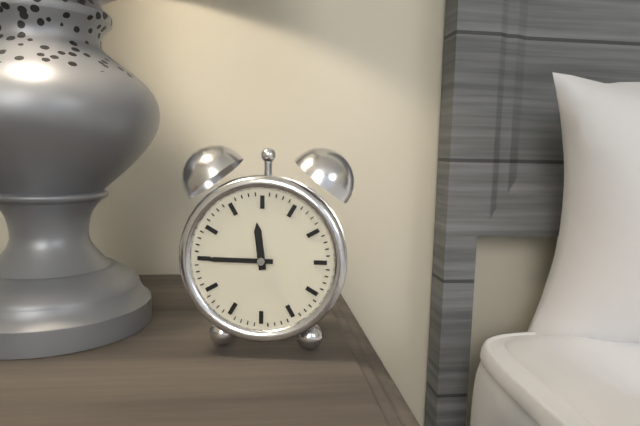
11:45
